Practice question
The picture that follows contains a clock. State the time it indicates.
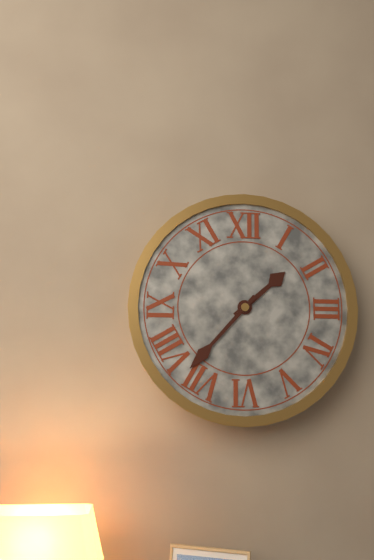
1:37
